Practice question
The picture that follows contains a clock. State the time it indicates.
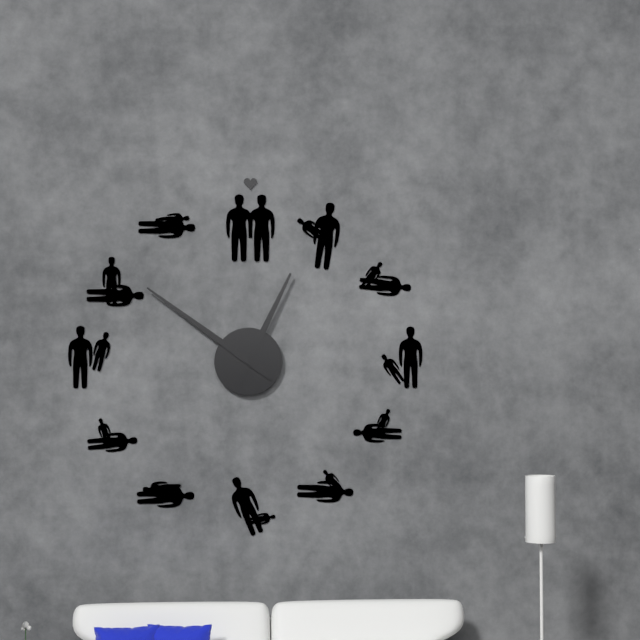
12:51
